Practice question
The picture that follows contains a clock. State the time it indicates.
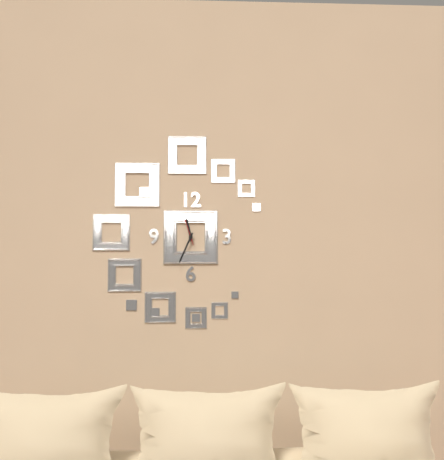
11:34
